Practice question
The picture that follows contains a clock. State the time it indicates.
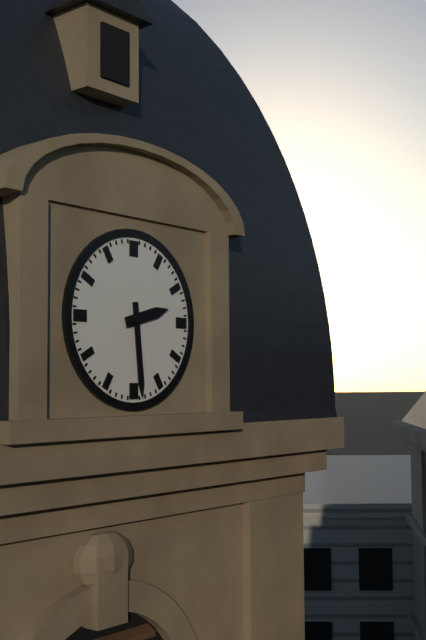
2:29
